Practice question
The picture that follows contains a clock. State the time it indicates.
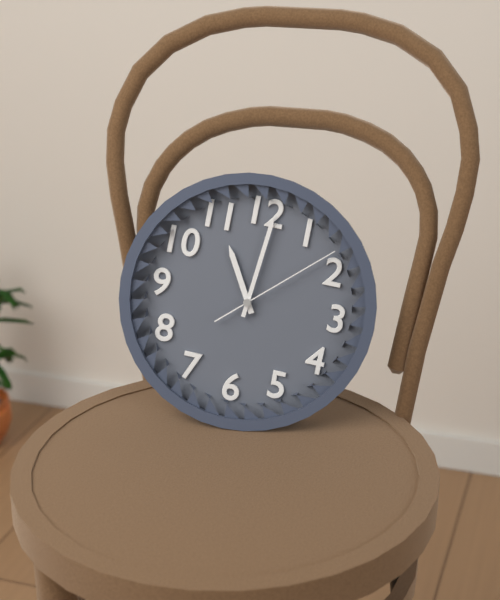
11:01:08
